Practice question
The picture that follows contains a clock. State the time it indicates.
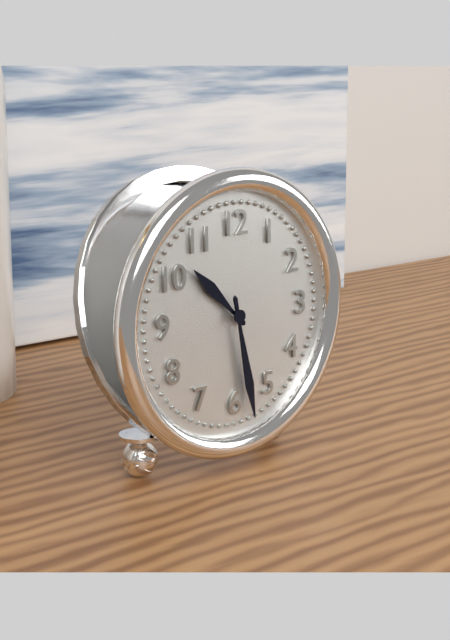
10:28
